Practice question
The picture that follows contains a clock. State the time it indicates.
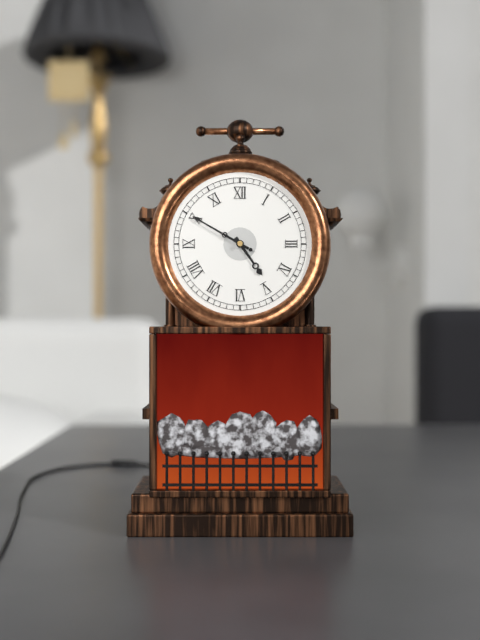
4:50:50
